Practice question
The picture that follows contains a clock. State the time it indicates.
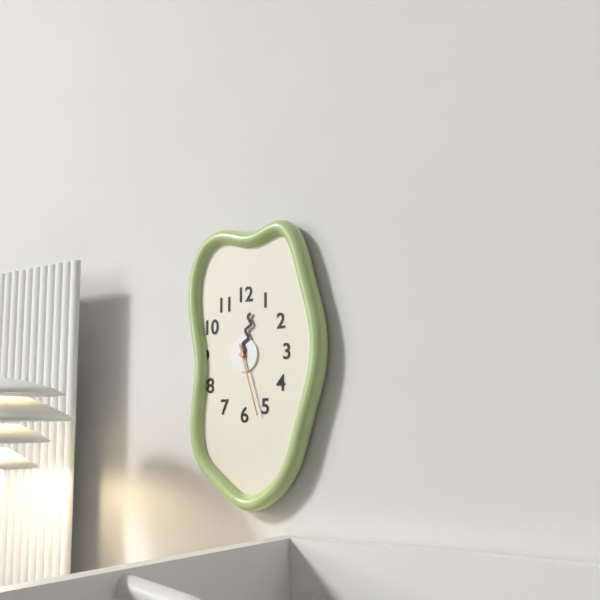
12:27
